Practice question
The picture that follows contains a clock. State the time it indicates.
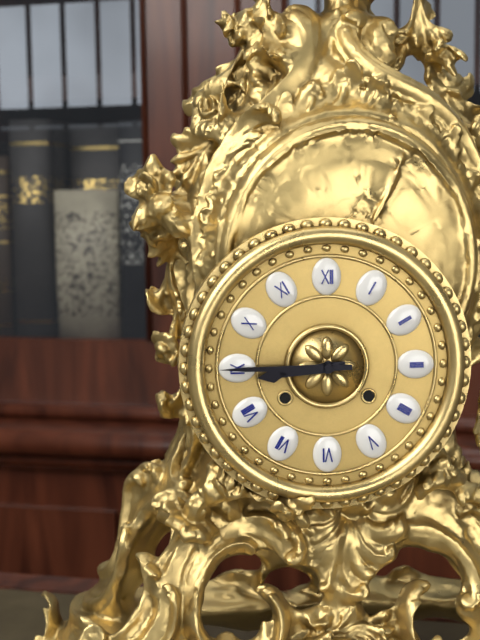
8:45
